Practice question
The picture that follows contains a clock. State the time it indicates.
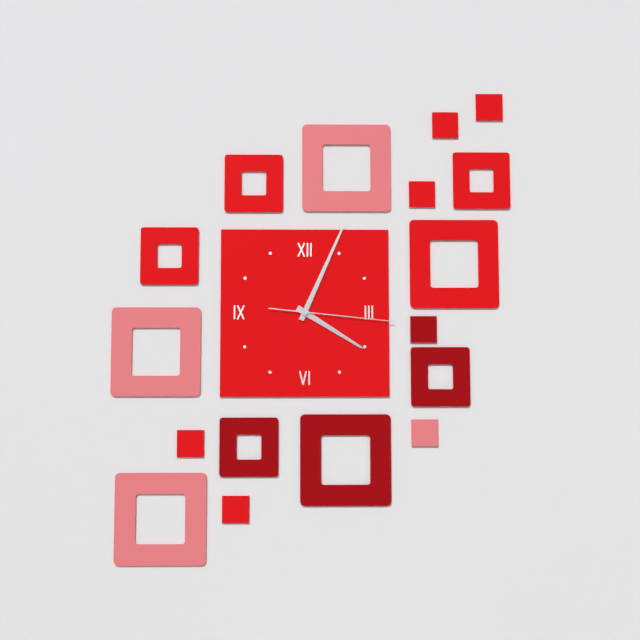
4:04:16
